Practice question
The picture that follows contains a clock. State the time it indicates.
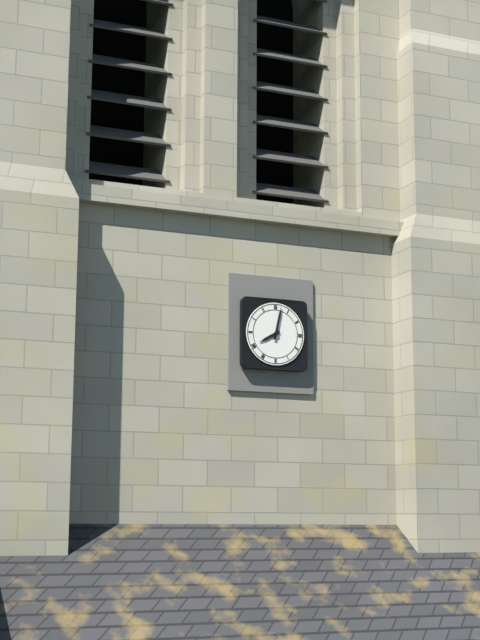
8:02
